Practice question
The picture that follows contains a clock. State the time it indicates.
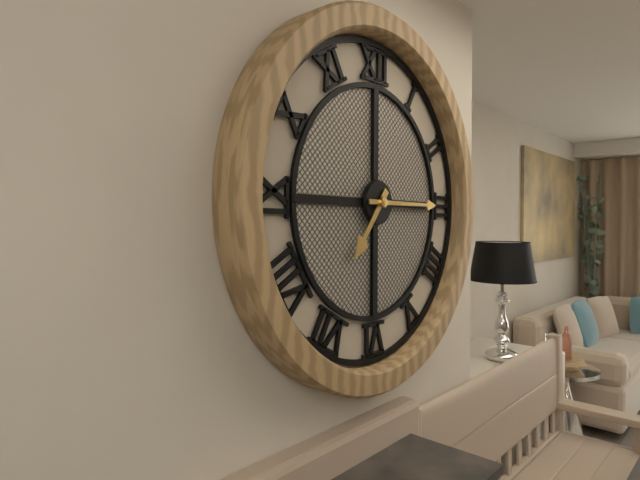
7:15
